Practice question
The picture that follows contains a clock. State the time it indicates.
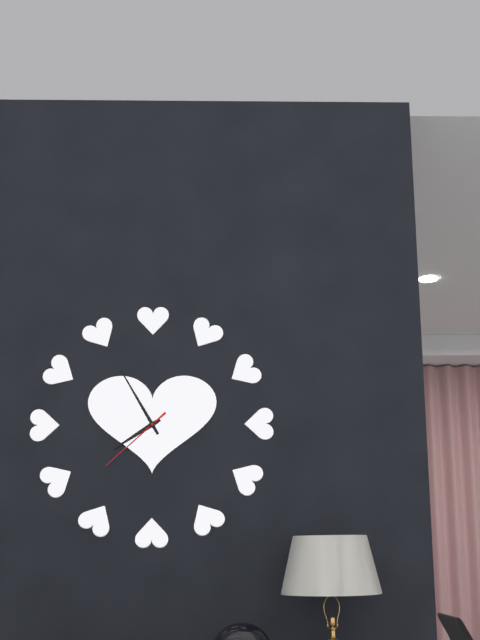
7:55:38
